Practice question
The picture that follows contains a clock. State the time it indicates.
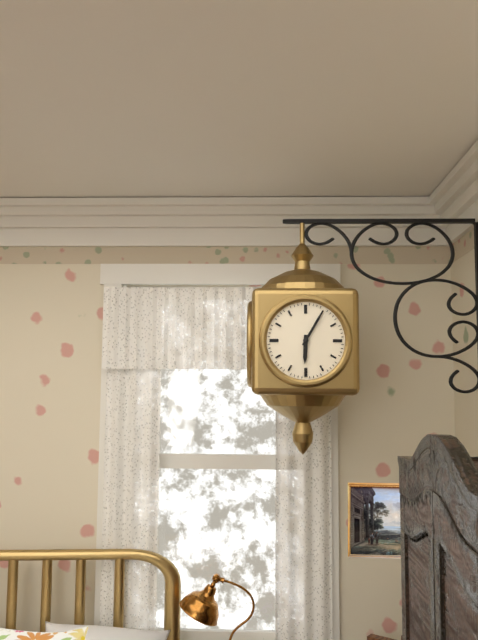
6:05
